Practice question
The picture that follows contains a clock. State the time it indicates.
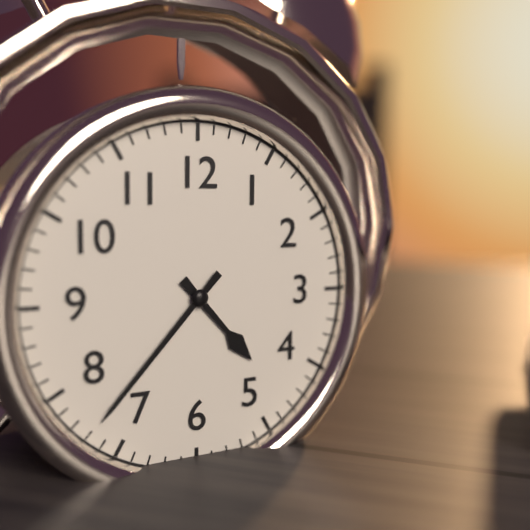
4:37
